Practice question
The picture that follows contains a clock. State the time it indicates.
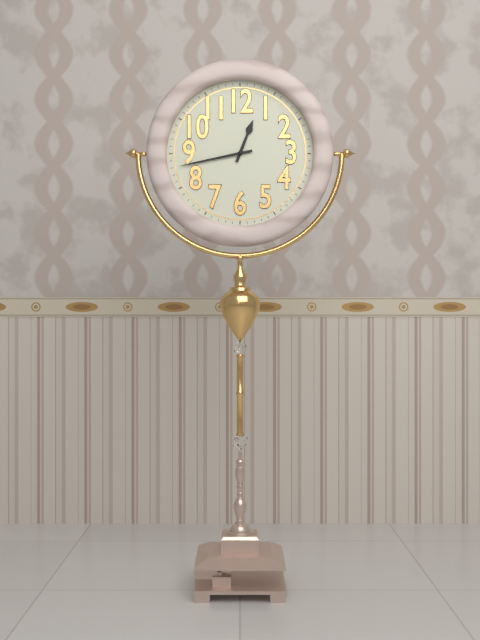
12:43
